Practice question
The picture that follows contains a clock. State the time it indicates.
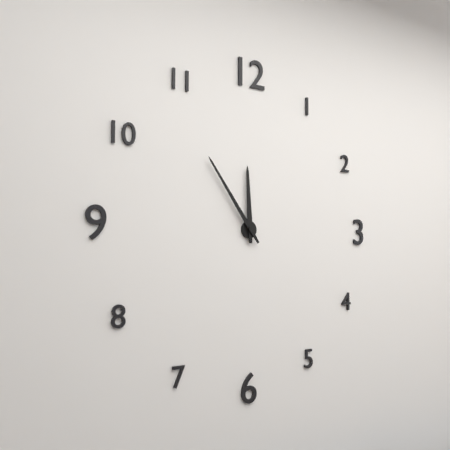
11:54
